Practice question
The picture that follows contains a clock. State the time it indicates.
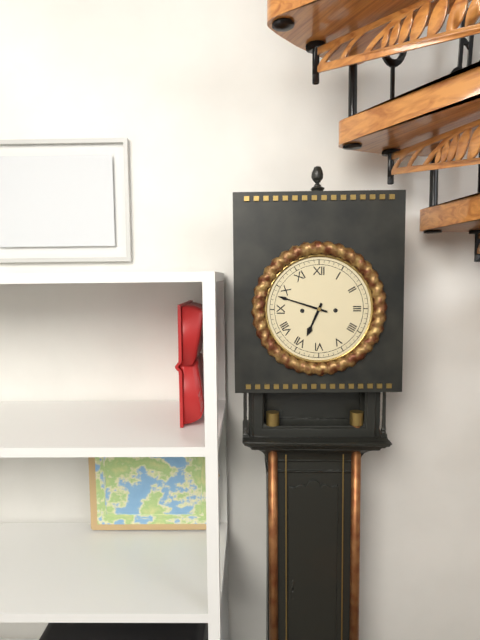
6:48
